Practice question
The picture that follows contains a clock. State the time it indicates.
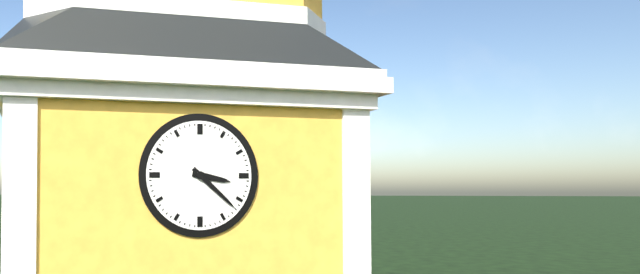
3:22
